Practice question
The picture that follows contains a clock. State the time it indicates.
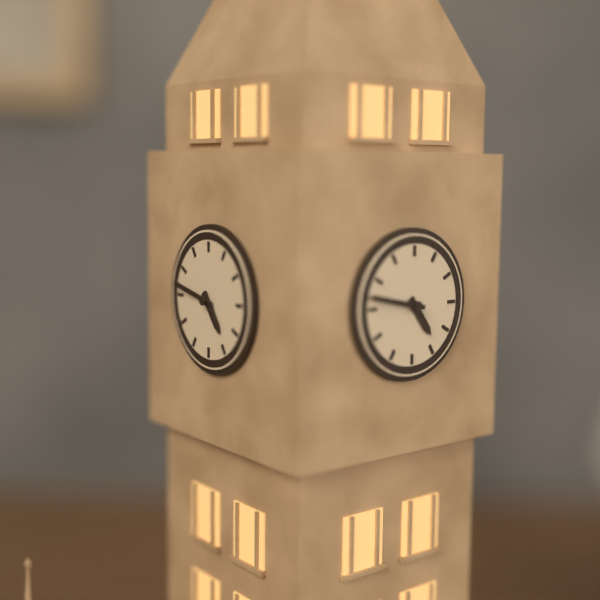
4:47
